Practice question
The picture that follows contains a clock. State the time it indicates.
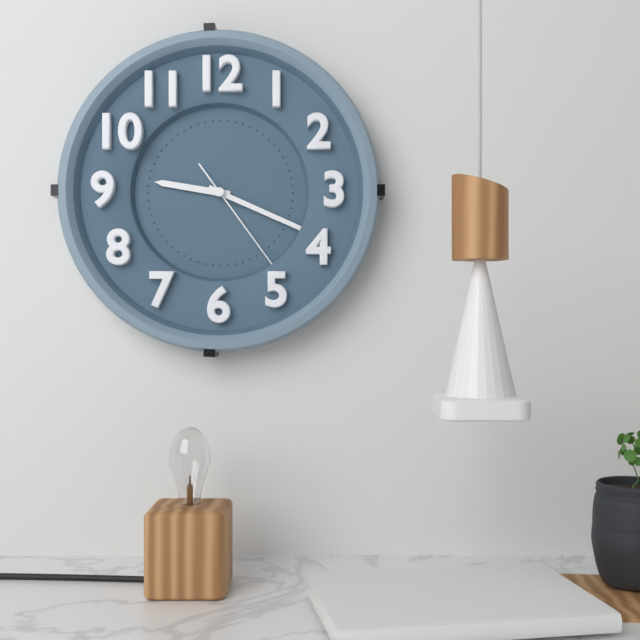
9:19:24
